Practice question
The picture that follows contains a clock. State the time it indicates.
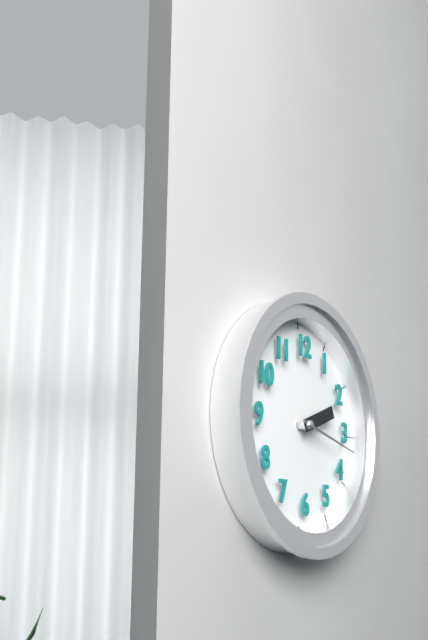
2:17
